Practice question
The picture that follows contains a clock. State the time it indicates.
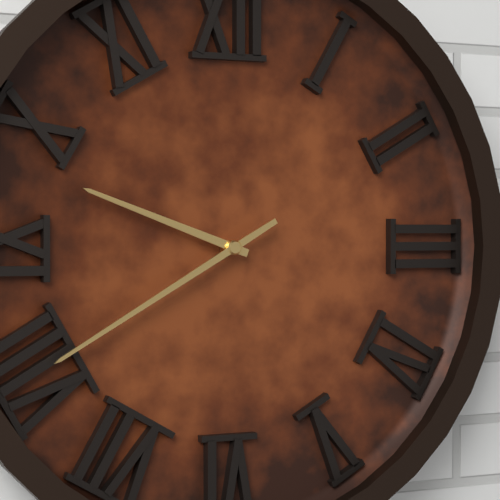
9:40
